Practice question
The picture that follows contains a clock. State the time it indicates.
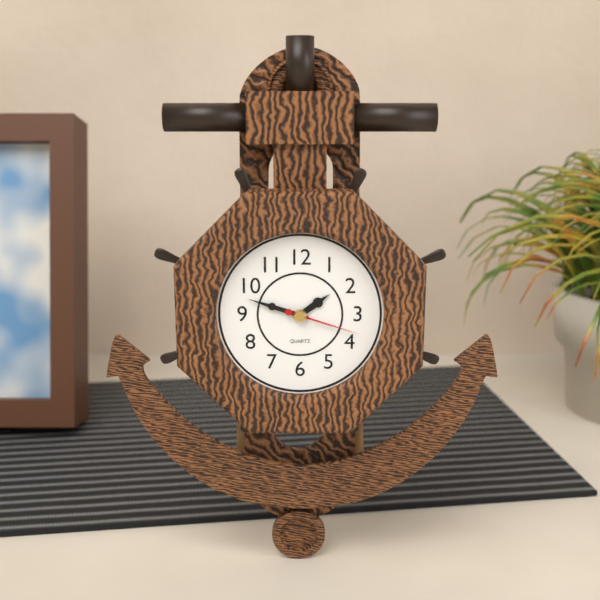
1:48:18
